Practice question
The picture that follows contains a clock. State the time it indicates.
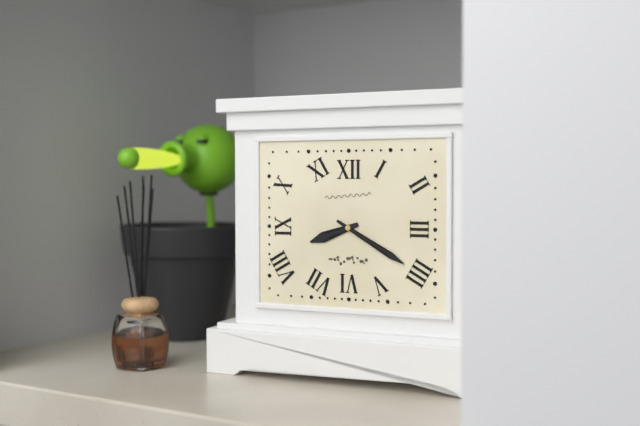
8:20
